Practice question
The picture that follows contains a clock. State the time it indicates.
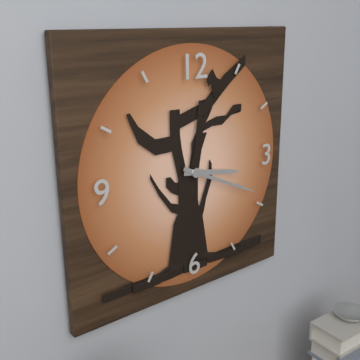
3:19
